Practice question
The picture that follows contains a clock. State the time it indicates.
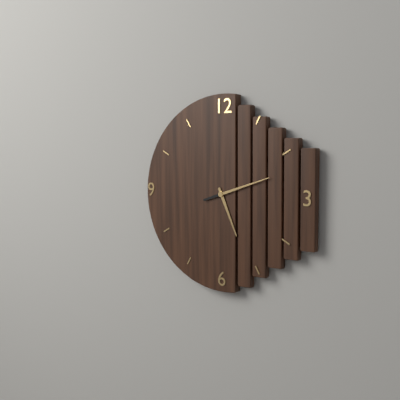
5:12
